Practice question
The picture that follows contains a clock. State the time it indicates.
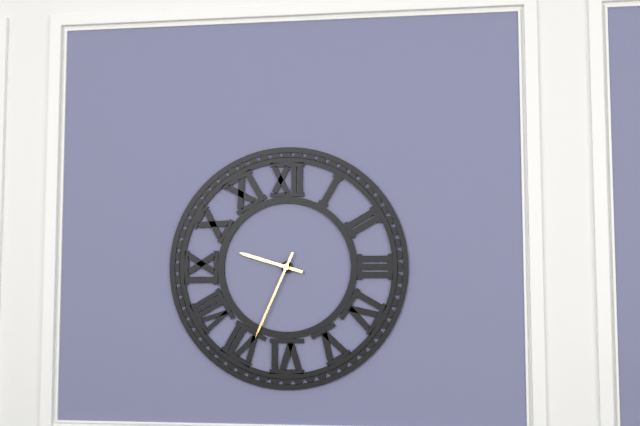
9:34
